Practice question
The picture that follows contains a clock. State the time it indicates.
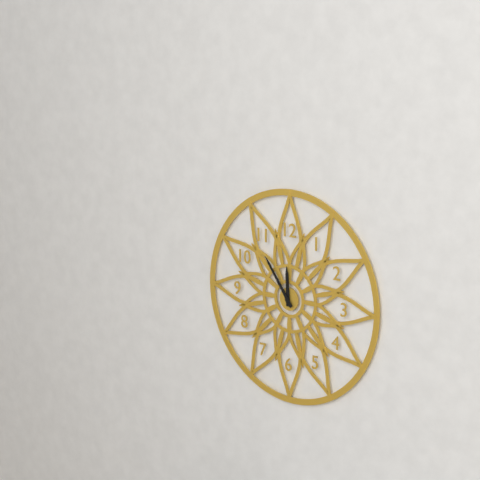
11:54
